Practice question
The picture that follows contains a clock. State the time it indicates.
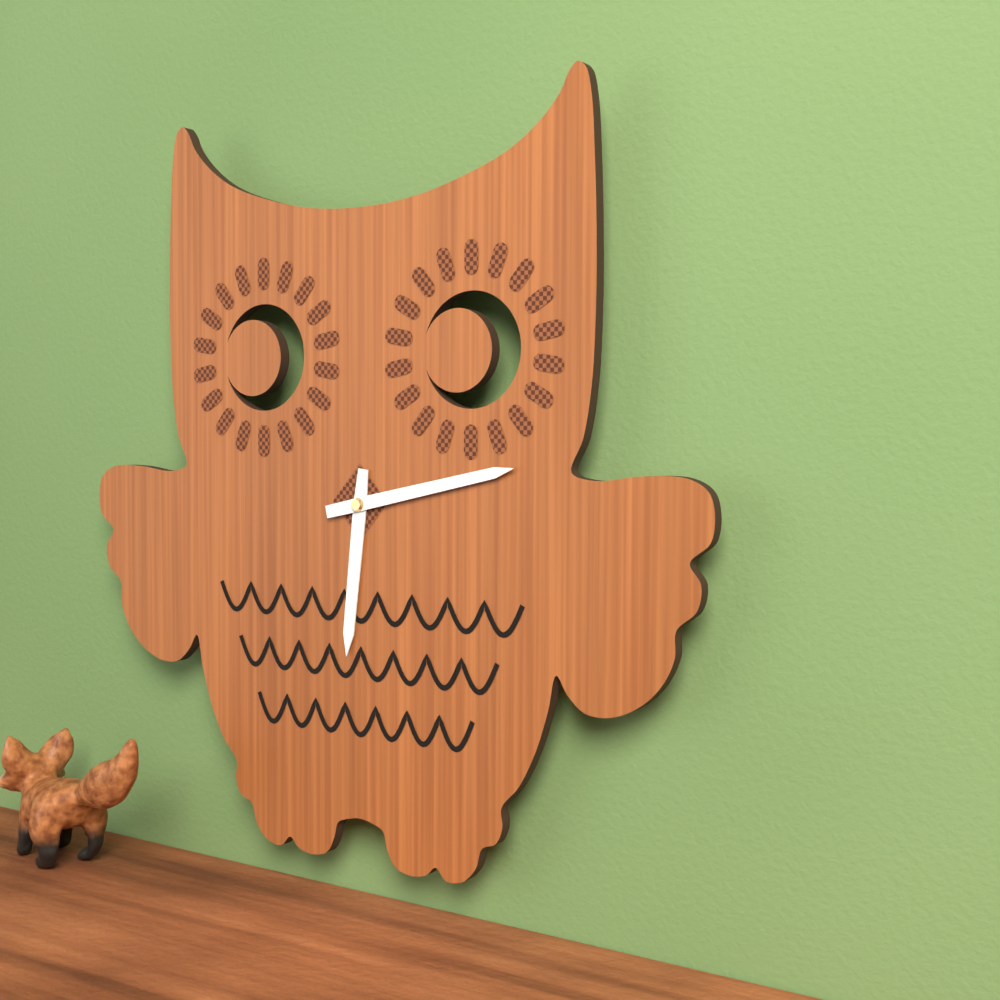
6:13
